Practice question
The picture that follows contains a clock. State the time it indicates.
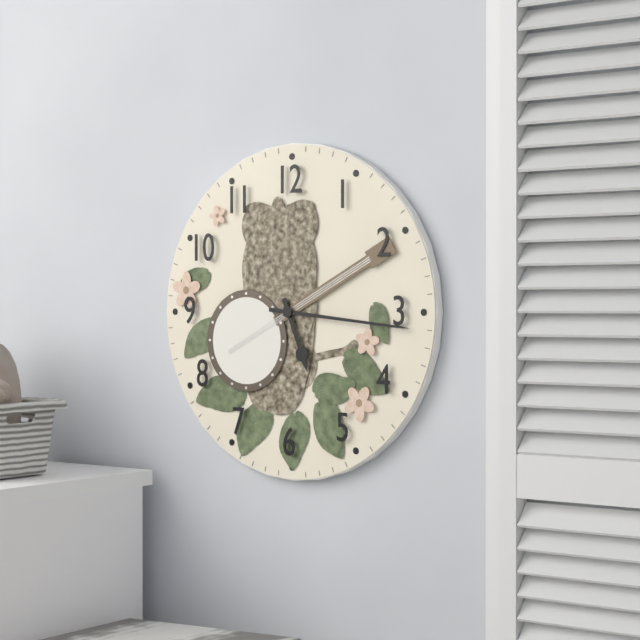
5:16
